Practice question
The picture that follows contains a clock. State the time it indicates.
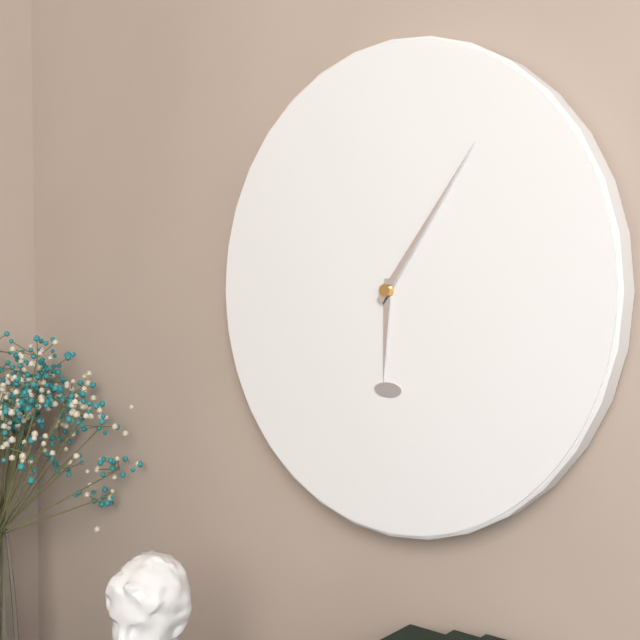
6:06
